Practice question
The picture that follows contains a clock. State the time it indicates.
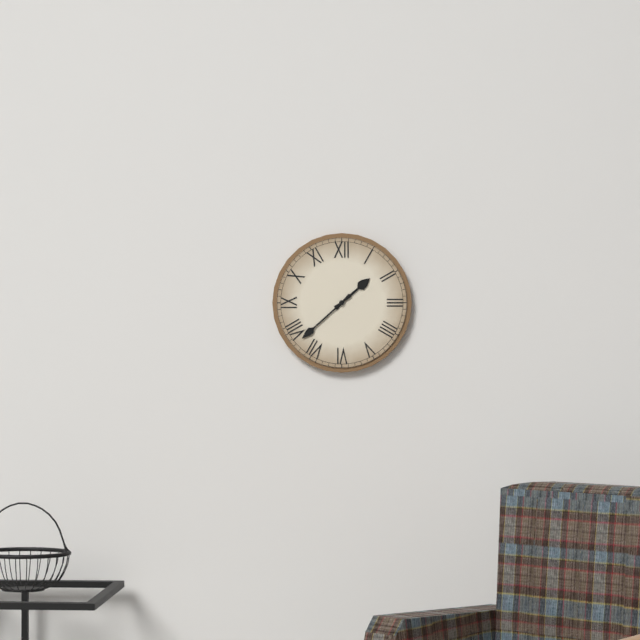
1:38
